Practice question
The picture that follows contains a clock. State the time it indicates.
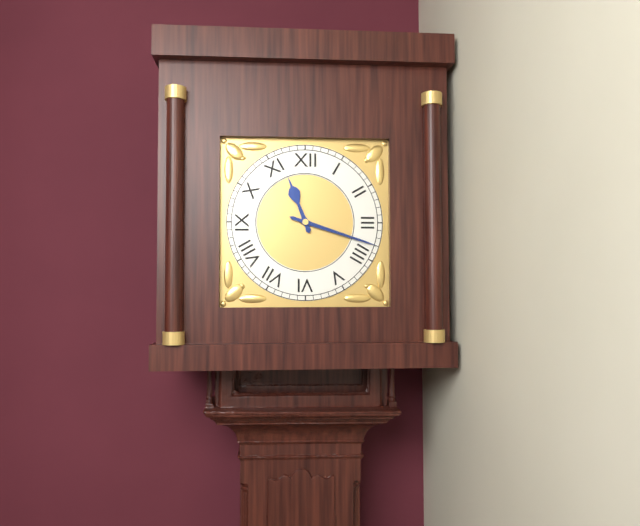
11:18
